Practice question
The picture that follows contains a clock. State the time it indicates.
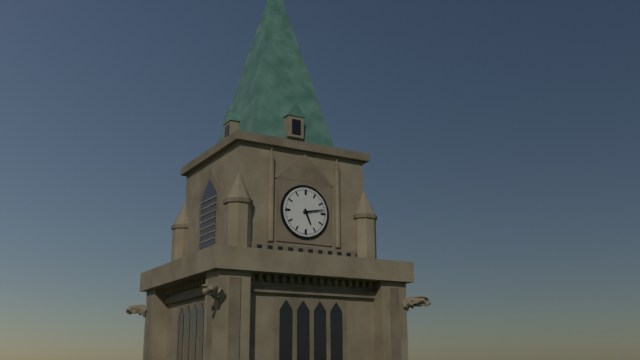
5:13
